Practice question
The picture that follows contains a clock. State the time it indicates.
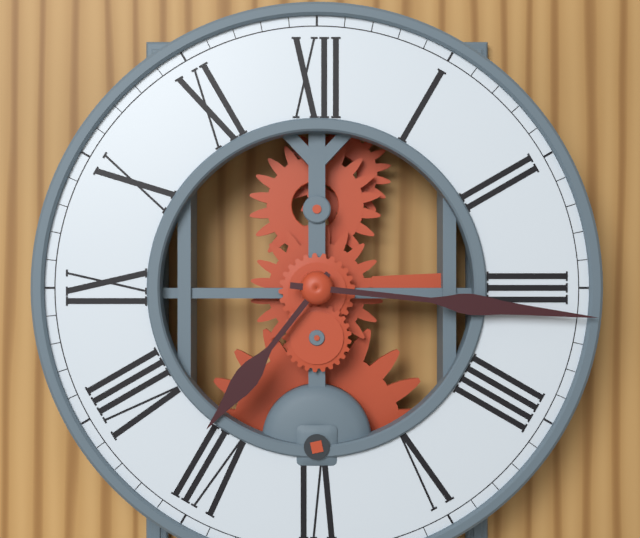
7:16
